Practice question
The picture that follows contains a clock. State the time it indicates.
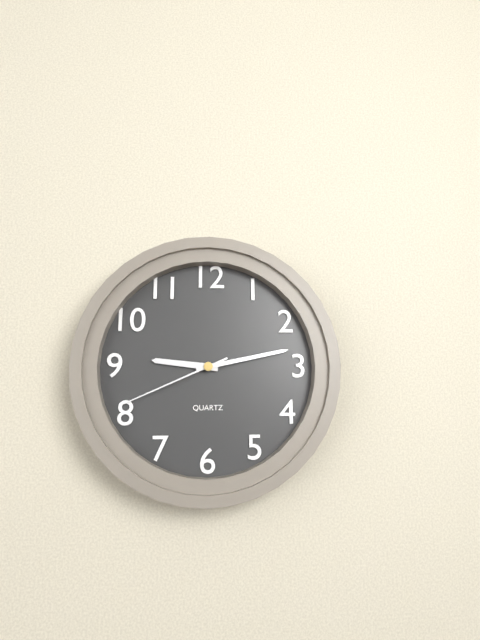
9:13:41
